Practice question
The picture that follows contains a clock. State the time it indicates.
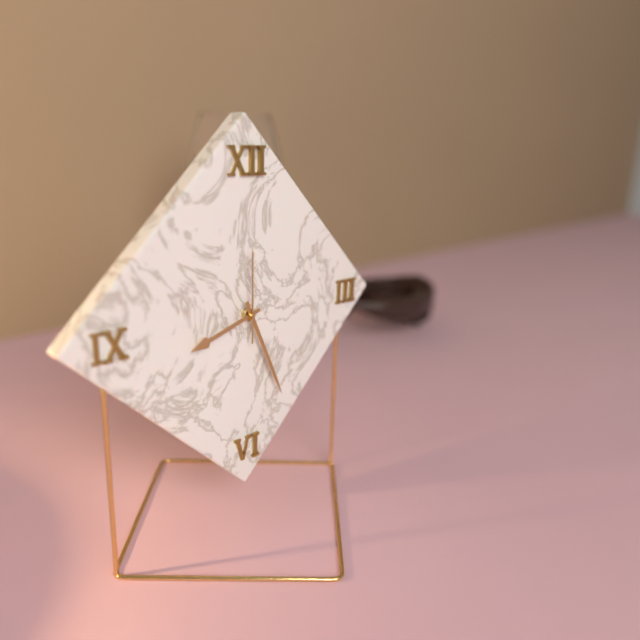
8:26:00
